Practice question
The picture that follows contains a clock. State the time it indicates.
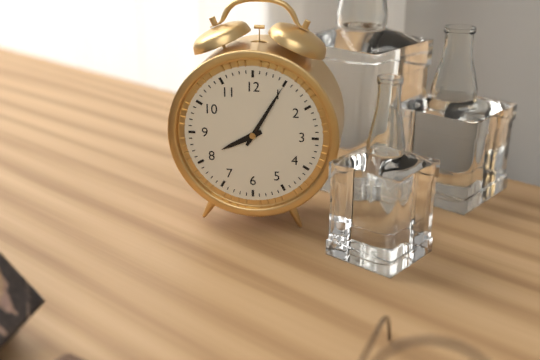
8:05
